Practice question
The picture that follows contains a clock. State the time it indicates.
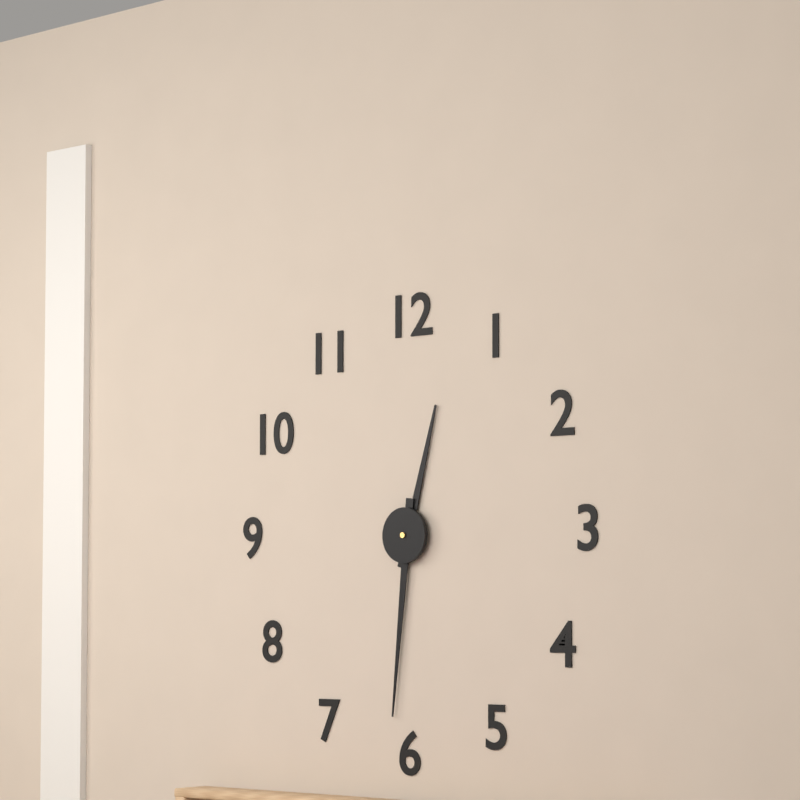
12:31
